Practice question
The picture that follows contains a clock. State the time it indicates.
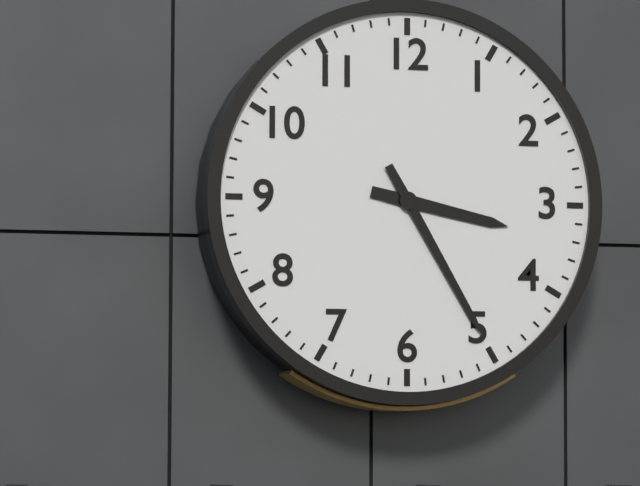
3:25
